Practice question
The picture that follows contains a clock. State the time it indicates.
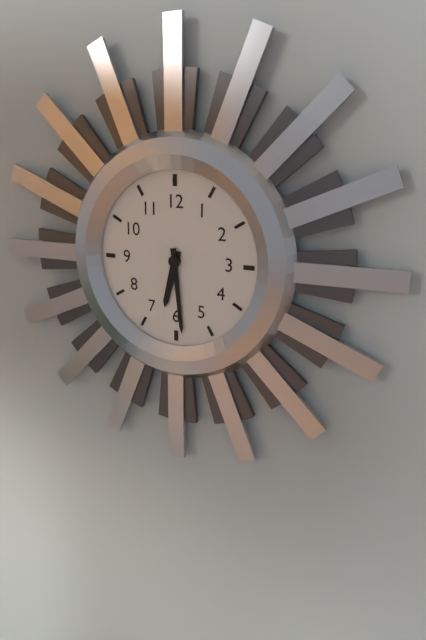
6:29
